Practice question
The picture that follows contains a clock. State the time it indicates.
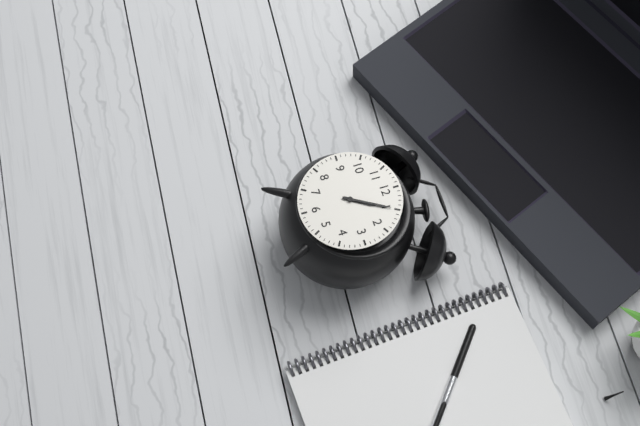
1:05
